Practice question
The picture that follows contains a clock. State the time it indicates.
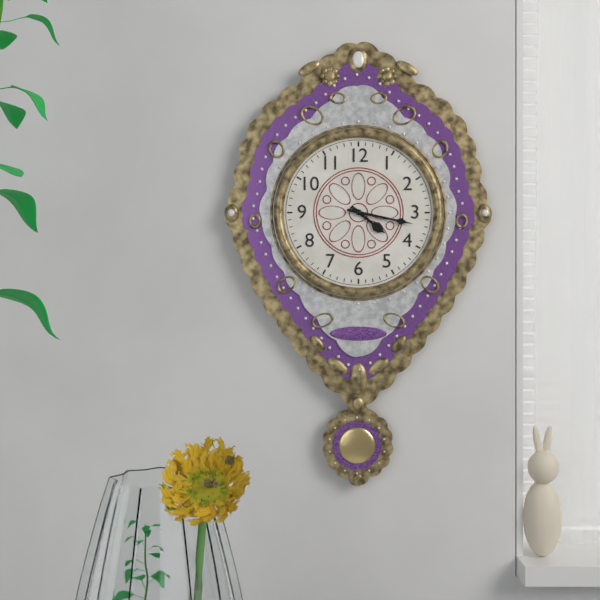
4:17
